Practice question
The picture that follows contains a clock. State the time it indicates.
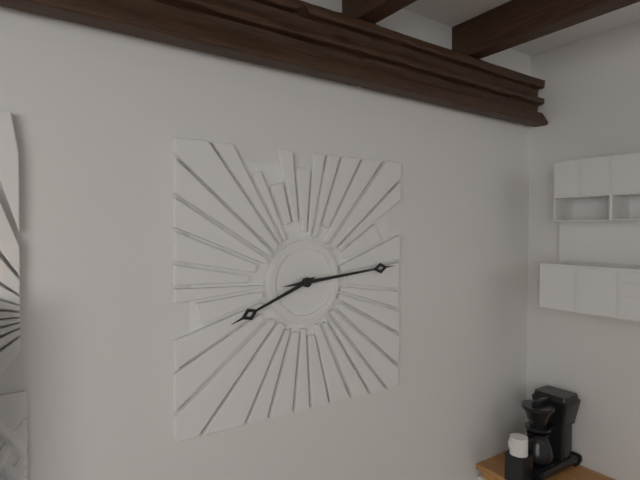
8:14
